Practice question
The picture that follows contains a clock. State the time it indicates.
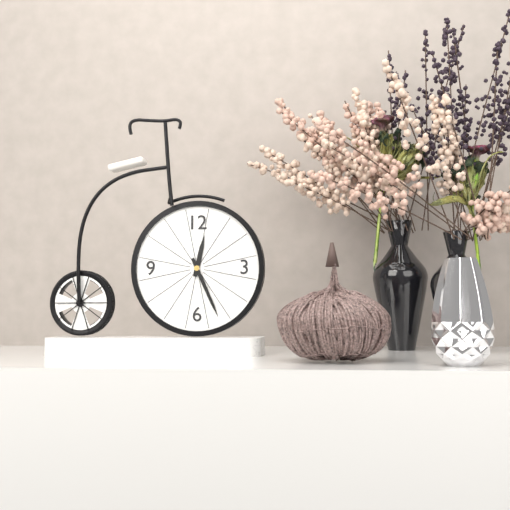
12:26
